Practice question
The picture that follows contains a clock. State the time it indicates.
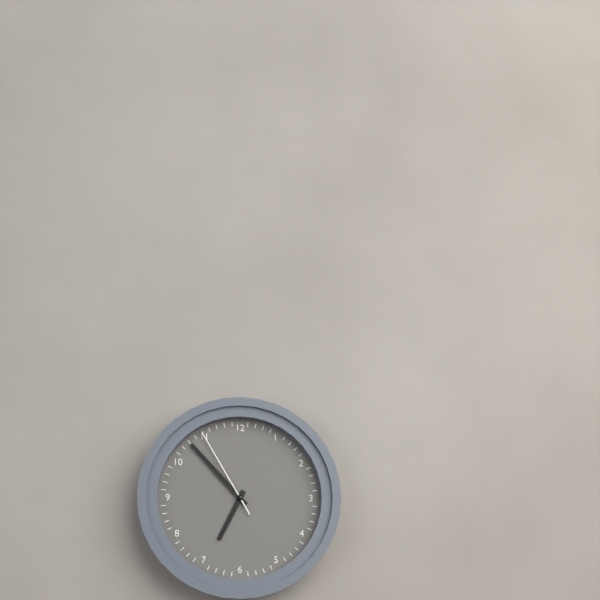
6:53:55
